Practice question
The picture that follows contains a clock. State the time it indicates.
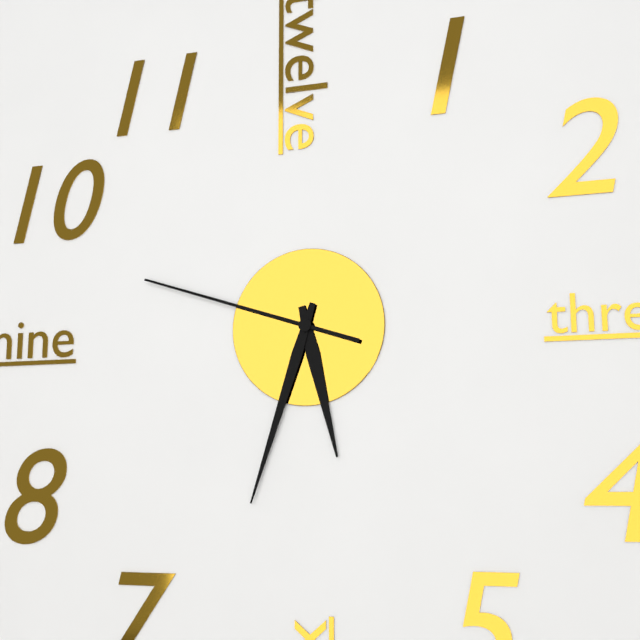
5:33:48
